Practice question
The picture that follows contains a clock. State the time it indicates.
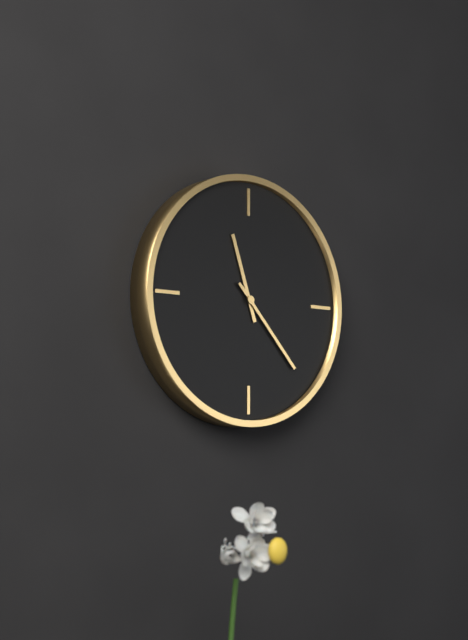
11:23
